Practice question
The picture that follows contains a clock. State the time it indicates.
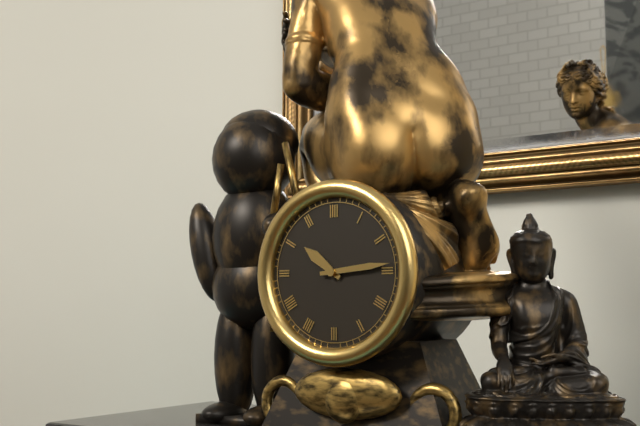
10:14
